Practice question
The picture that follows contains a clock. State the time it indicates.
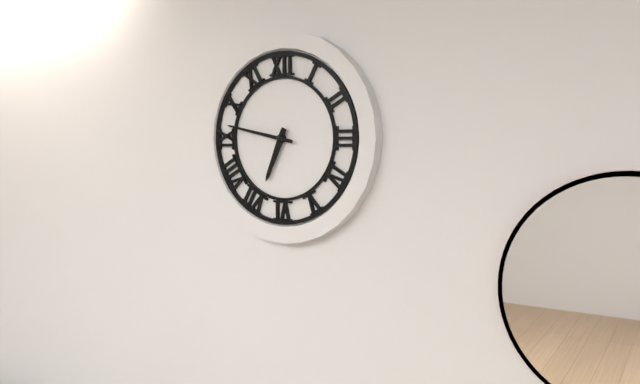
6:47
